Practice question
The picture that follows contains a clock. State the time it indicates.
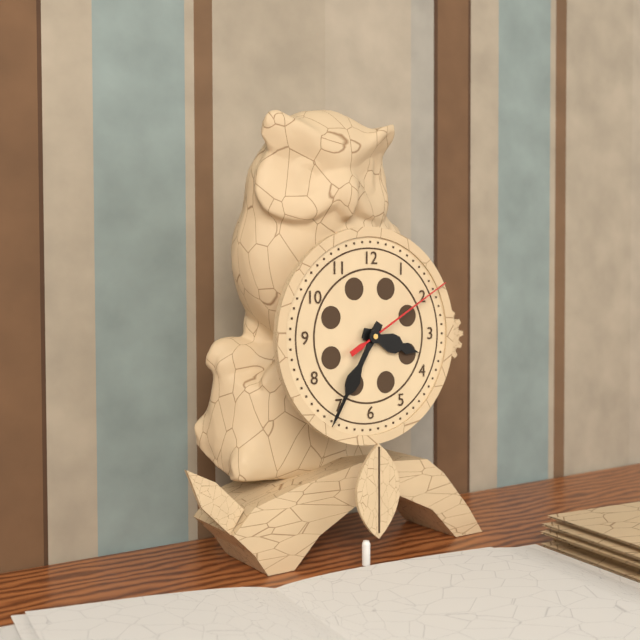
3:35:10
